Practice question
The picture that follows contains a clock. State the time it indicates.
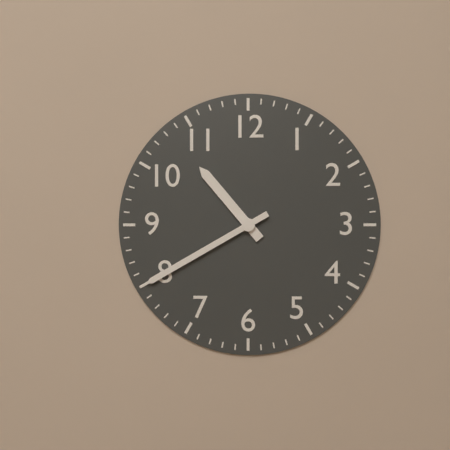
10:40
